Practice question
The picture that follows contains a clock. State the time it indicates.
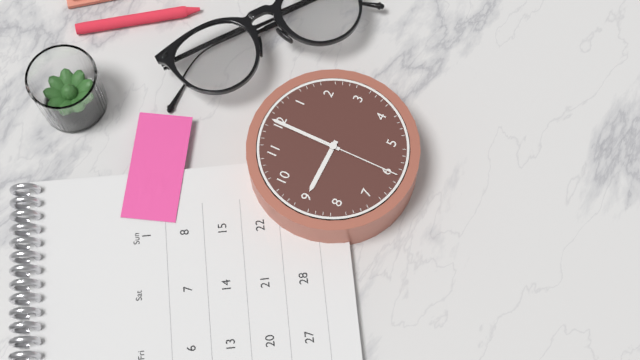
9:00:30
